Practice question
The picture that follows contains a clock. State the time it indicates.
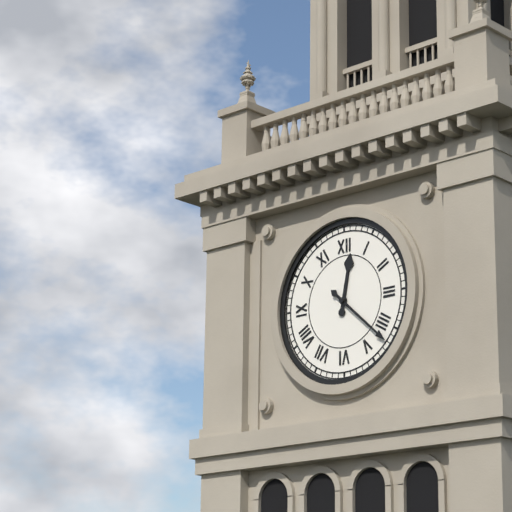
12:22
